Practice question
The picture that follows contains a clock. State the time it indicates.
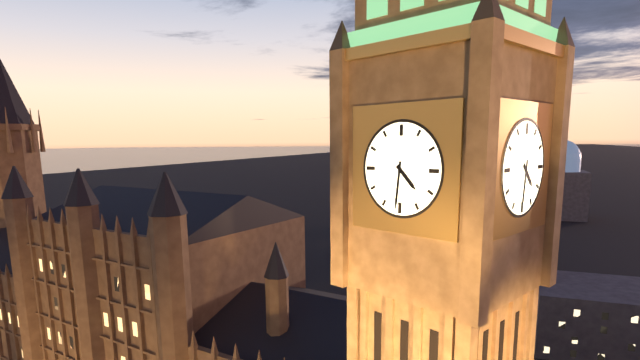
4:31
